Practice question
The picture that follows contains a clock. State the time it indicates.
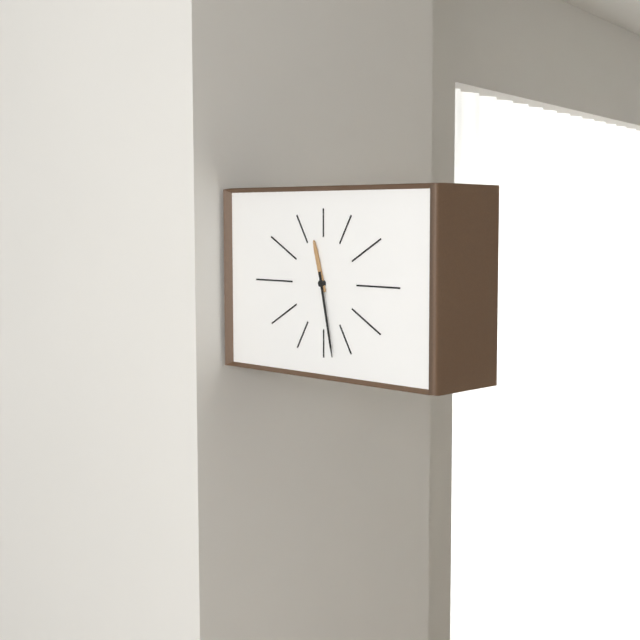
11:28
